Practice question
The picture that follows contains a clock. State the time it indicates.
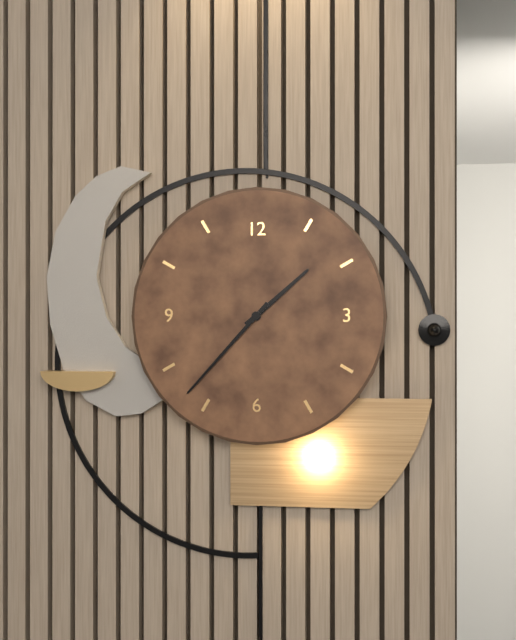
1:37
